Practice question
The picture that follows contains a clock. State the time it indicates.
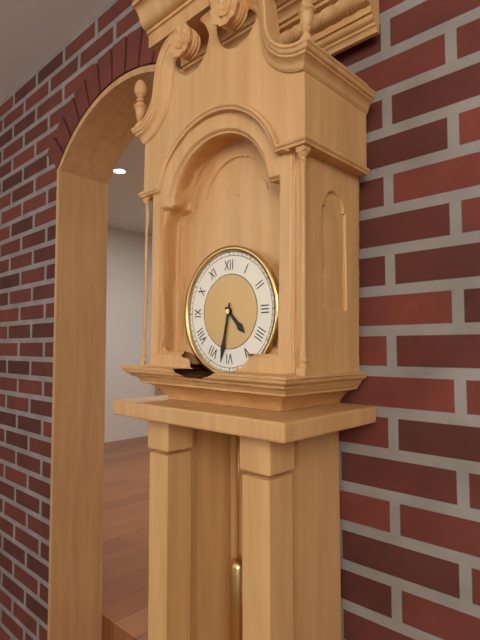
4:32
